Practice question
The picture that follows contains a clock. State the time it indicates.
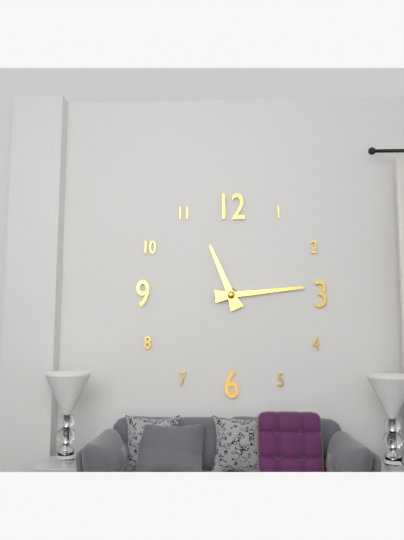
11:14
